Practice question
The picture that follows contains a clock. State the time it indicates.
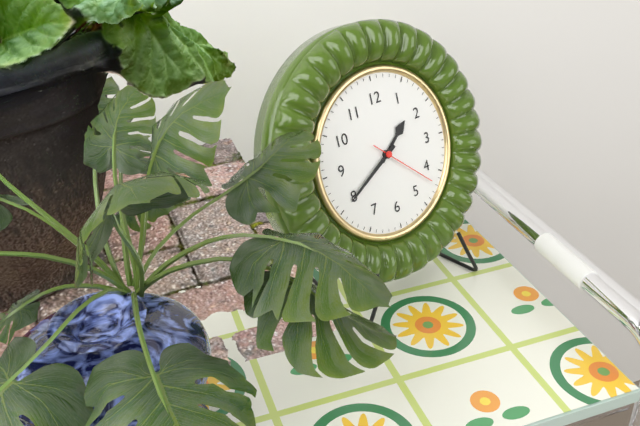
1:40:22
